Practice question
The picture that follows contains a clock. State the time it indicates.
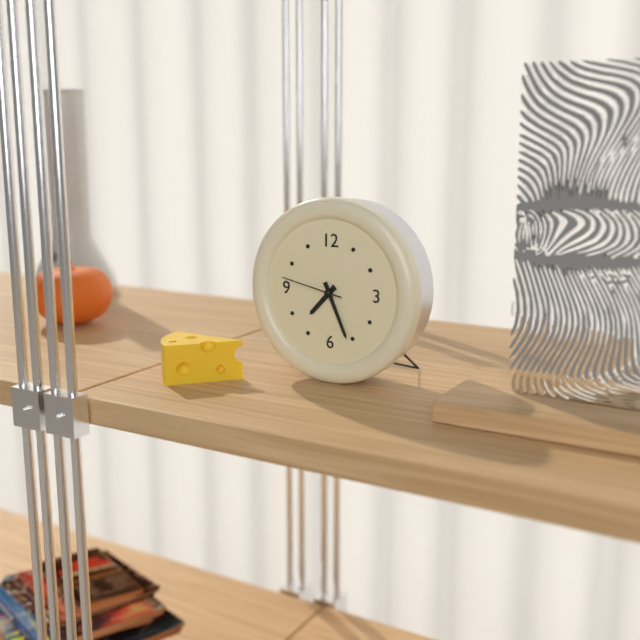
7:26:47
